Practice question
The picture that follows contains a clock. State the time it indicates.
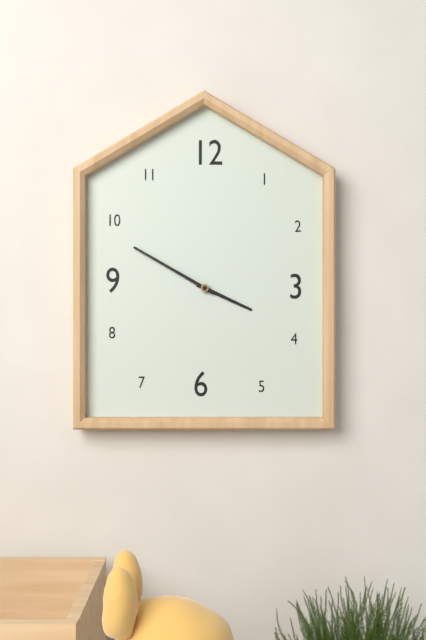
3:50
